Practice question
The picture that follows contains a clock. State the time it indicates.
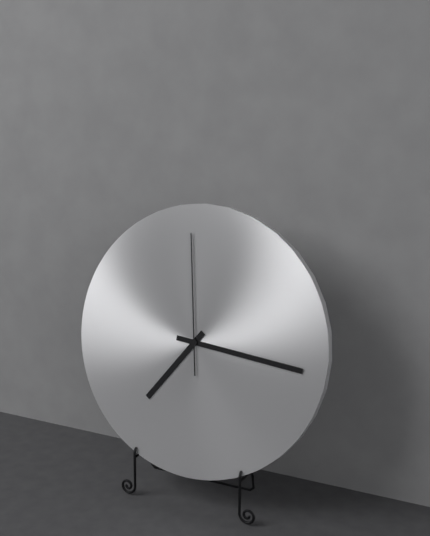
7:16:59
